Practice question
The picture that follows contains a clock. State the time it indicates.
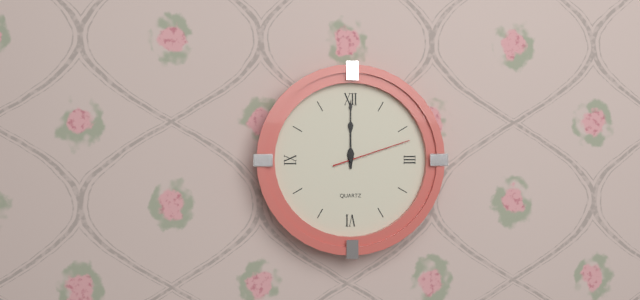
12:00:12
